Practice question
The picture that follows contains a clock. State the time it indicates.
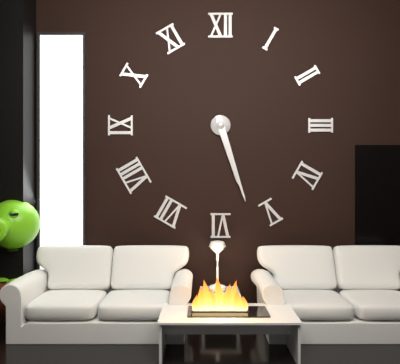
5:27
